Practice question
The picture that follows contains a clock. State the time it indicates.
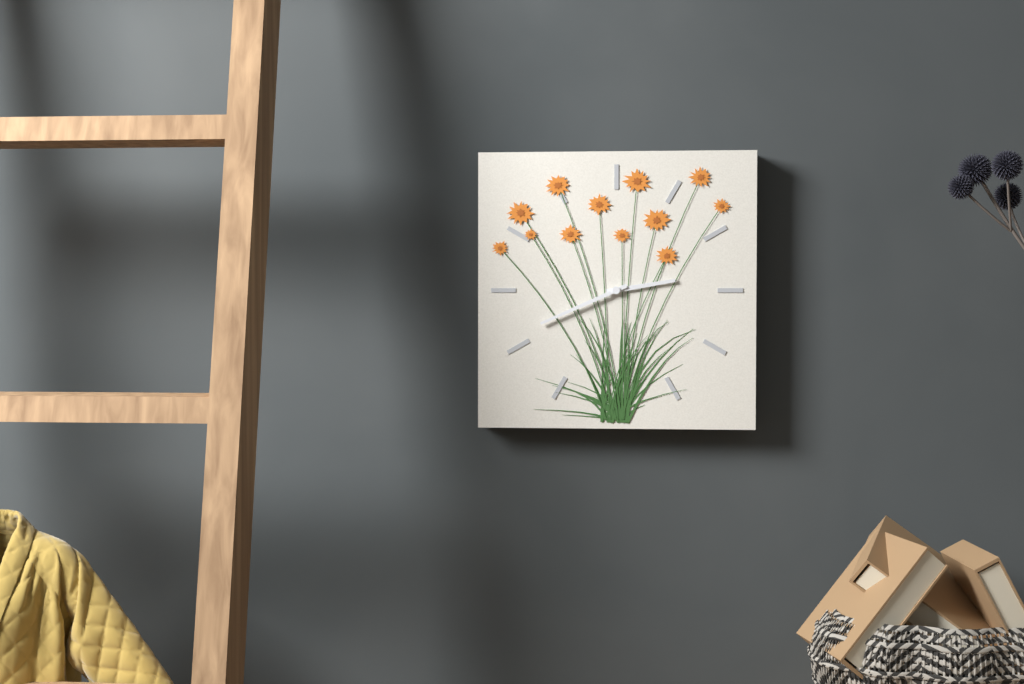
2:41
